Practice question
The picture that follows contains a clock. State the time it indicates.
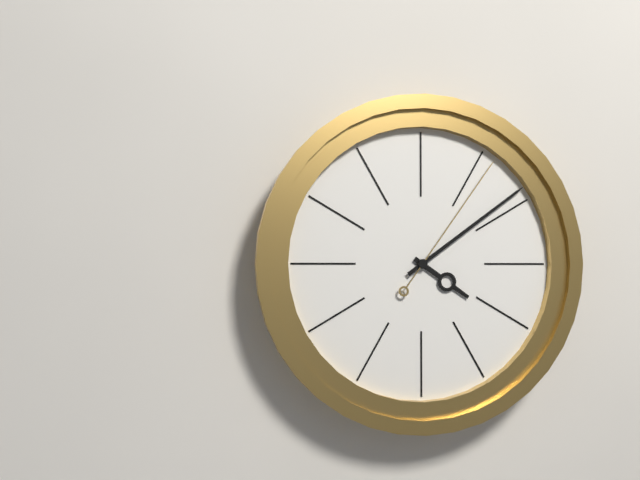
4:09:06
